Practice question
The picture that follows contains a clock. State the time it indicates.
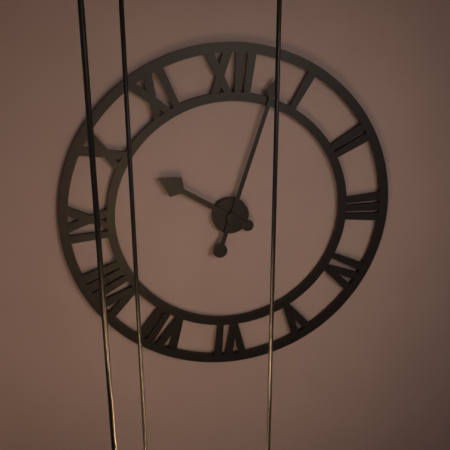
10:03
